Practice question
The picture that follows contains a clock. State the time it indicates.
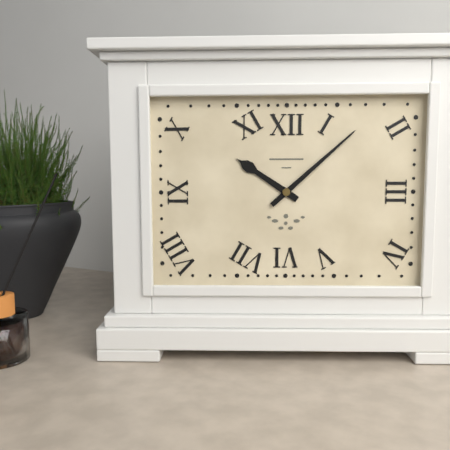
10:08
